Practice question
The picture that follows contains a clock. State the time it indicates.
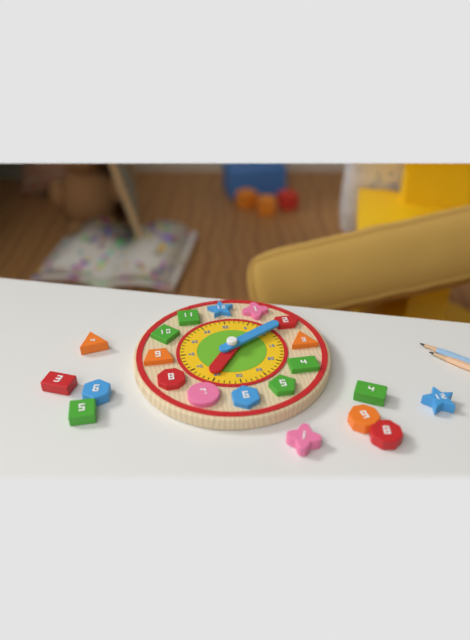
7:10
